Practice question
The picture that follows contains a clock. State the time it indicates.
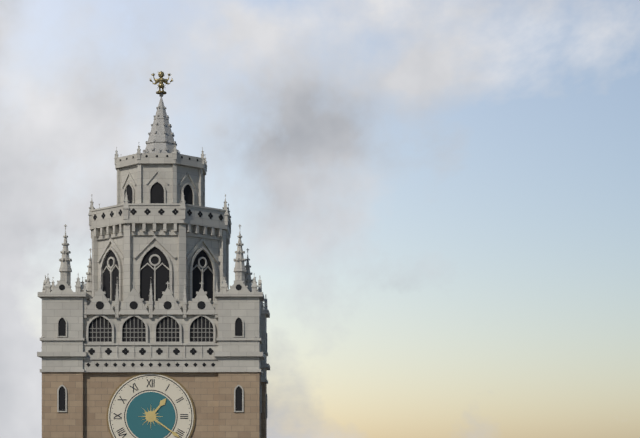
1:21
